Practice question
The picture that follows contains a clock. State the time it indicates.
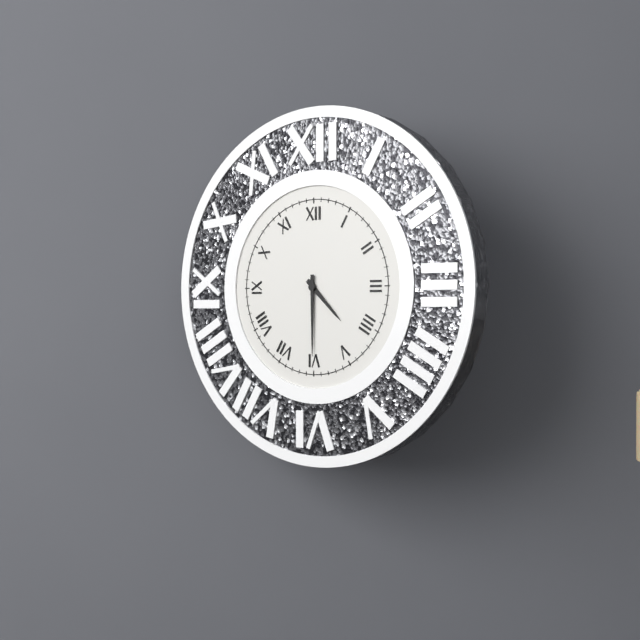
4:30
